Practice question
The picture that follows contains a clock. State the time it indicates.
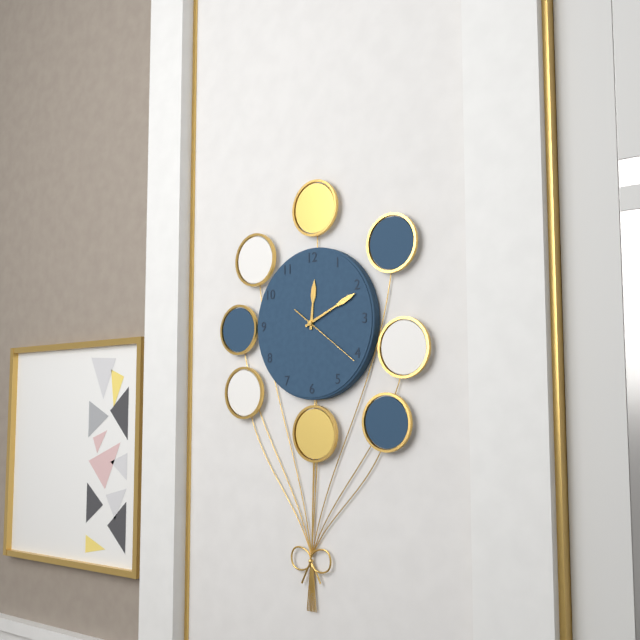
12:11:21
